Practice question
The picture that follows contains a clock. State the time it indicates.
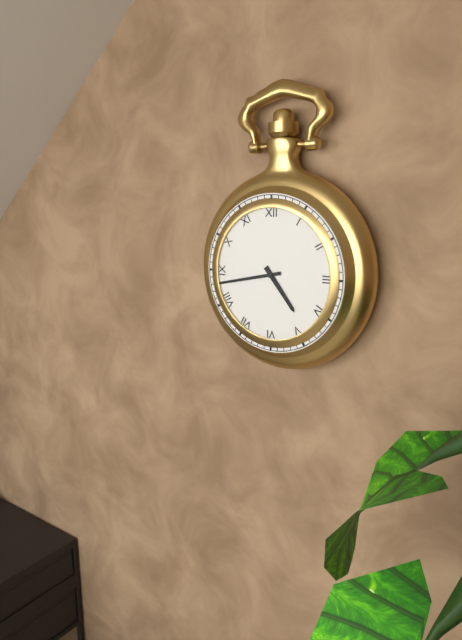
4:43
